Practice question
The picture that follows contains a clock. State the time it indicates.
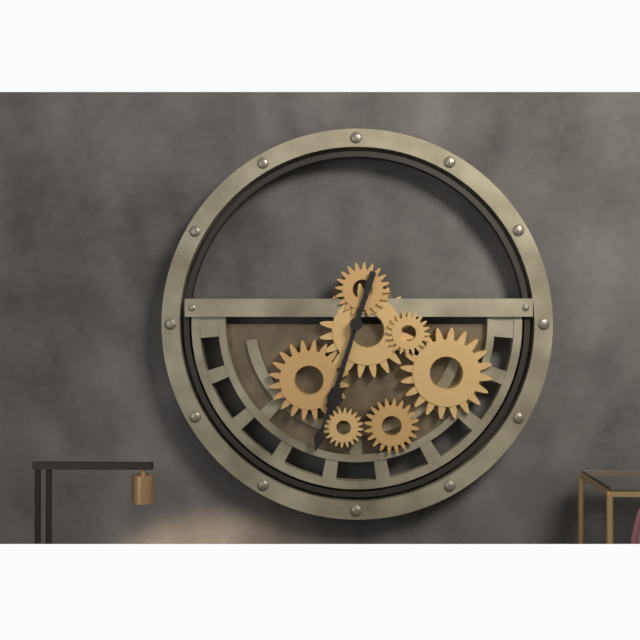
6:33
